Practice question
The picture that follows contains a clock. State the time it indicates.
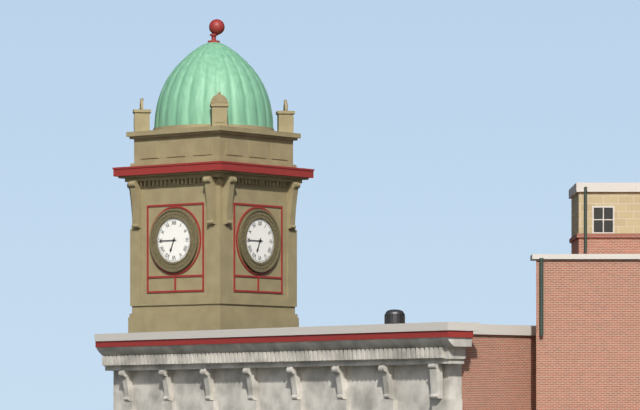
6:45
